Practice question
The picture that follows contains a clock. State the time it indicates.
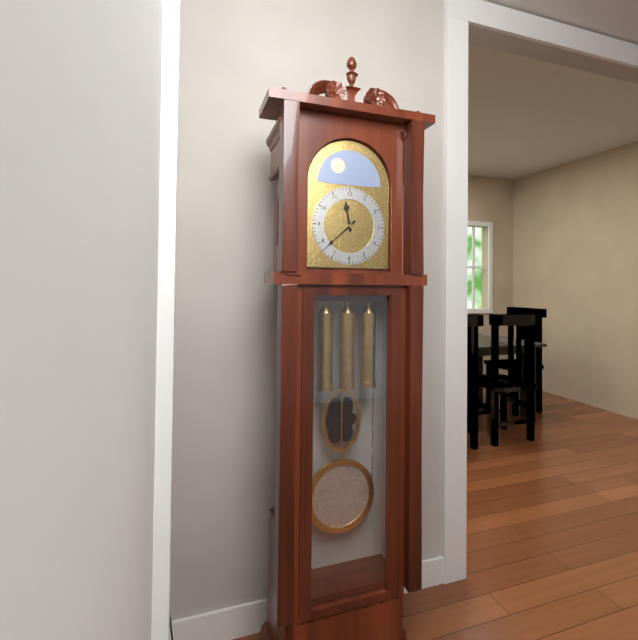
11:38
